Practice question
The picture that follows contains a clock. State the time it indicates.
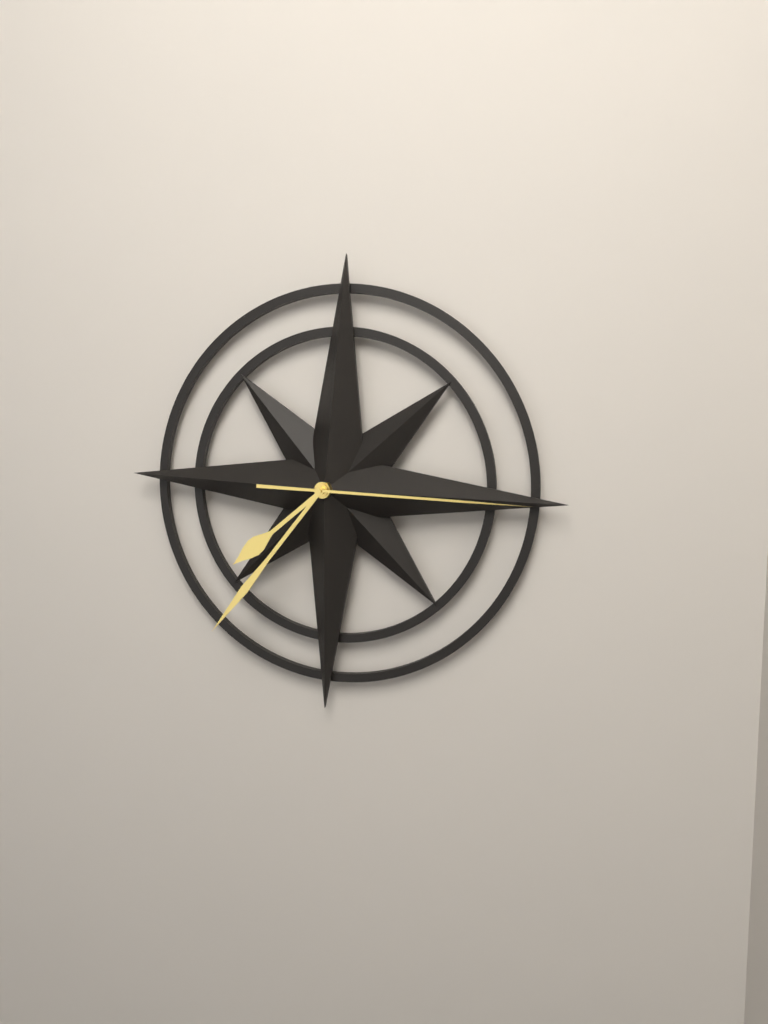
7:36:15
